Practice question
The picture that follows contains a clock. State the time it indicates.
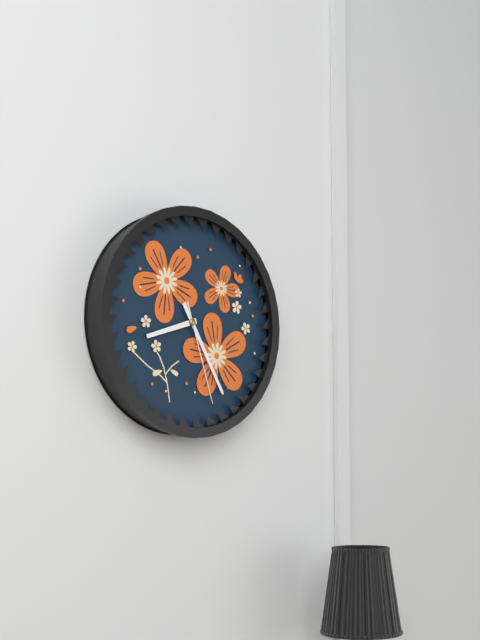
8:25:27
